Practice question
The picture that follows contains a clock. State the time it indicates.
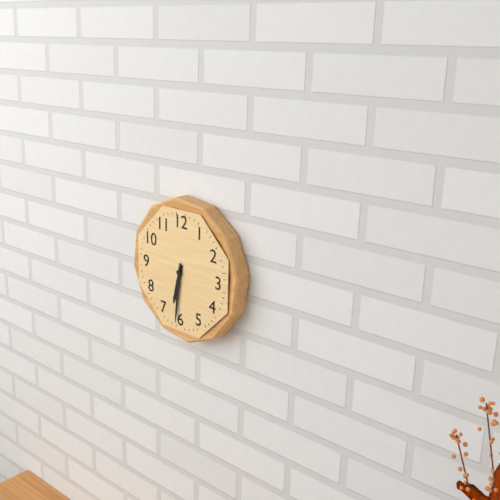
6:31
